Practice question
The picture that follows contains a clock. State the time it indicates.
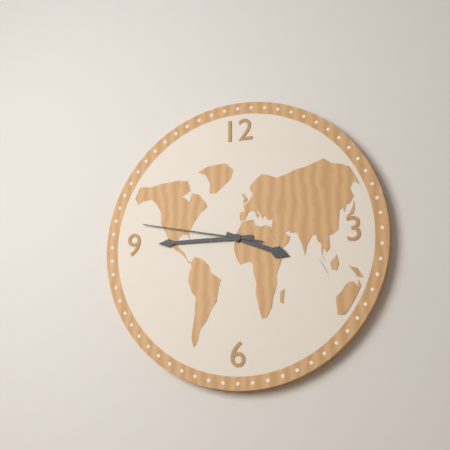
3:45:47
